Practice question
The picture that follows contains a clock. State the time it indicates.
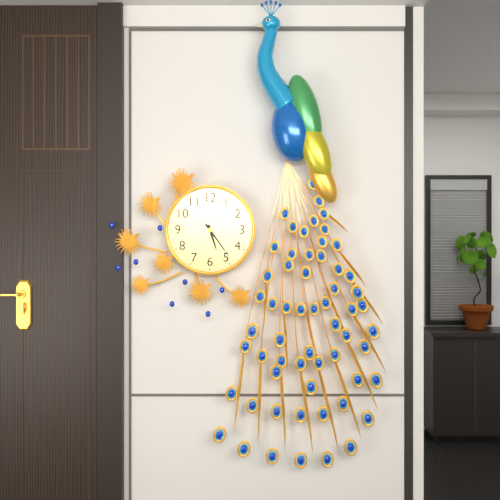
5:24
